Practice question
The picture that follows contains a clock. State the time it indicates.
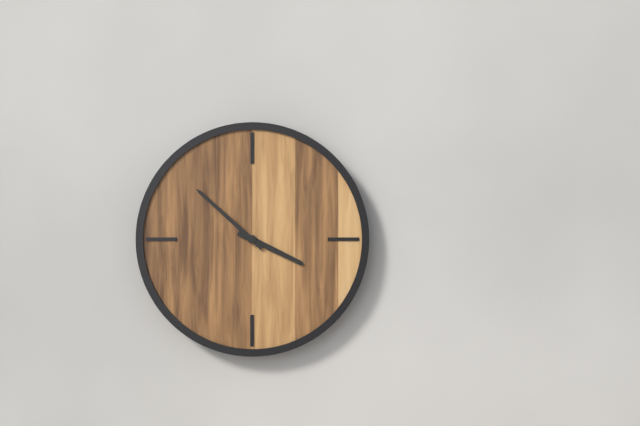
3:52
